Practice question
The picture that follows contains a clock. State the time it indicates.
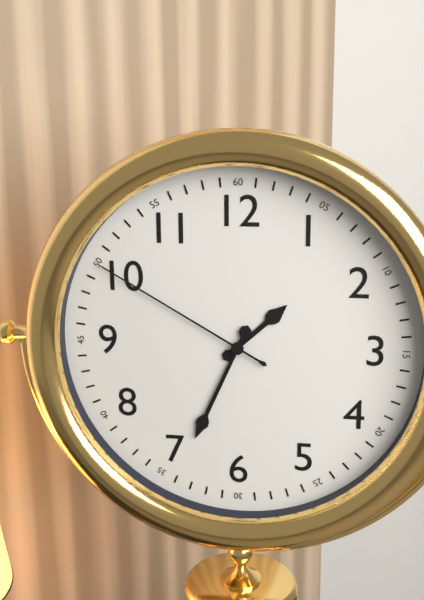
1:34:50
